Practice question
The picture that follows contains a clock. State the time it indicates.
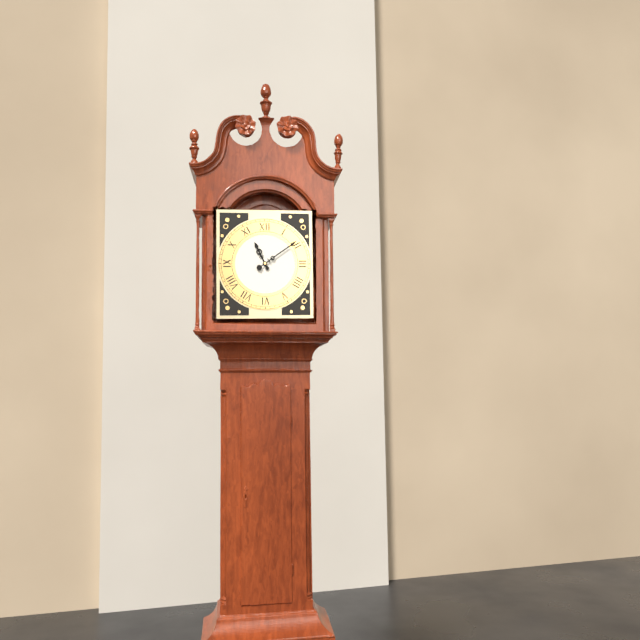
11:09
